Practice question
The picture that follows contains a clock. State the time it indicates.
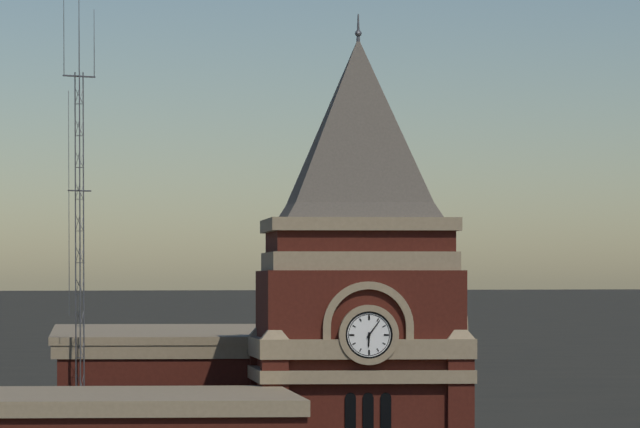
6:06
